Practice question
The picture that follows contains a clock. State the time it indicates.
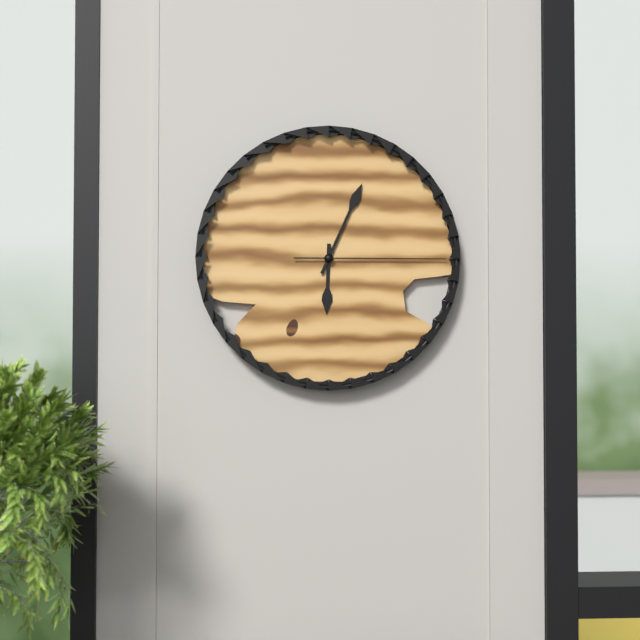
6:04:15
